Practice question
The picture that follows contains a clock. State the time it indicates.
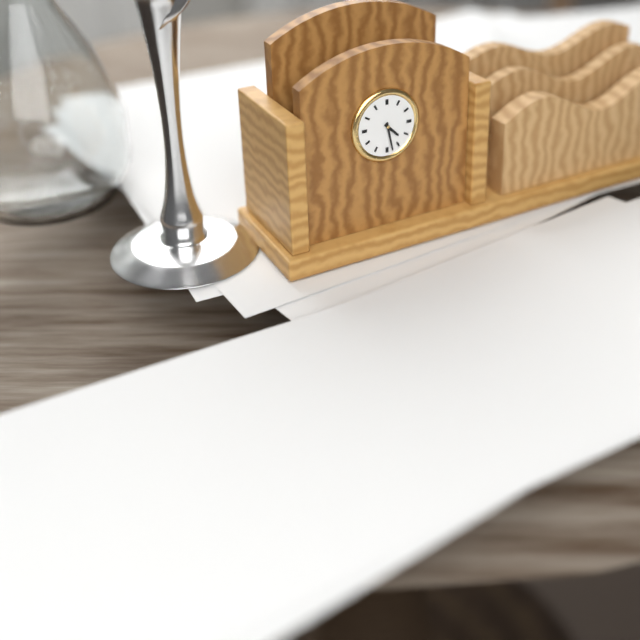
4:28
